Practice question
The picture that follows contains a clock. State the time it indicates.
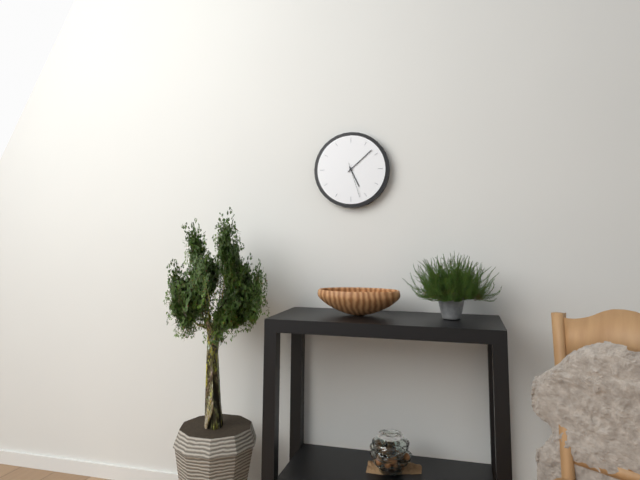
5:08
